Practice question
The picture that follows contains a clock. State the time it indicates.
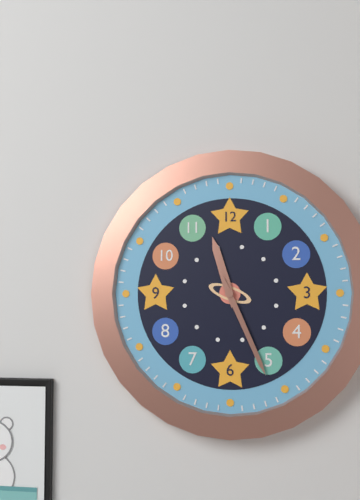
11:26
